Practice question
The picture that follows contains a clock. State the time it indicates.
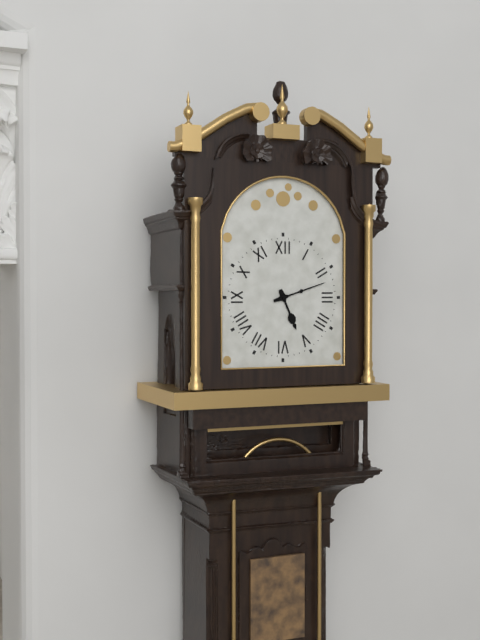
5:12
